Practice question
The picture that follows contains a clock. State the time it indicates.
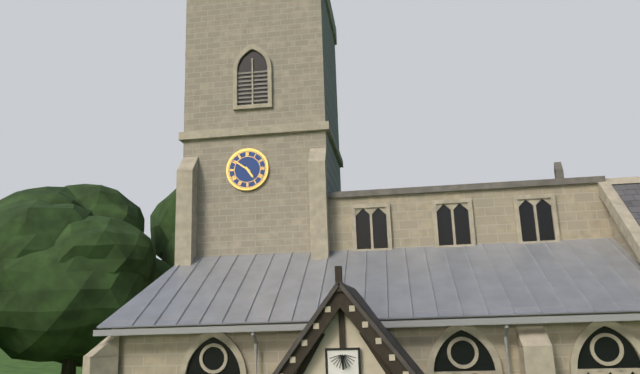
4:51
